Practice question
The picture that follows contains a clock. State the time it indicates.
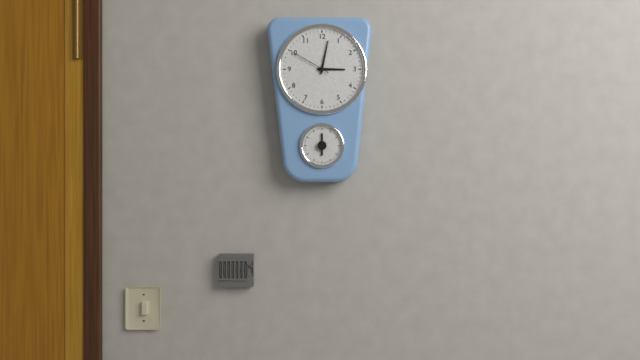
3:02
